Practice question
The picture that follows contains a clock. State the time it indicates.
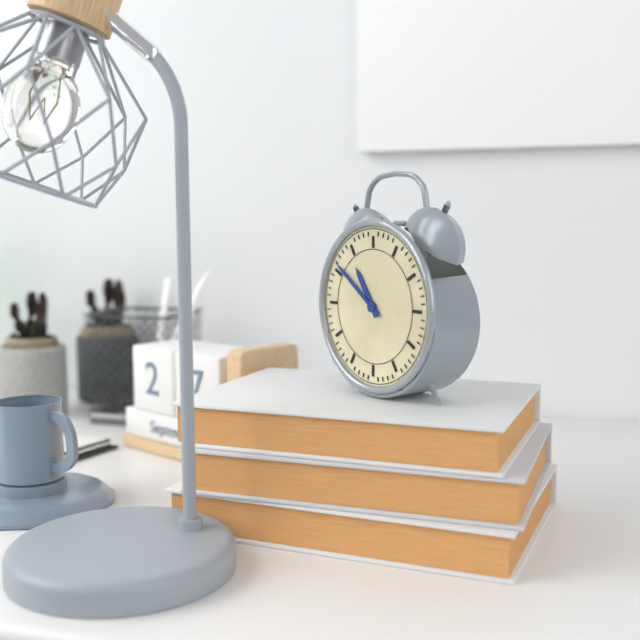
10:51
